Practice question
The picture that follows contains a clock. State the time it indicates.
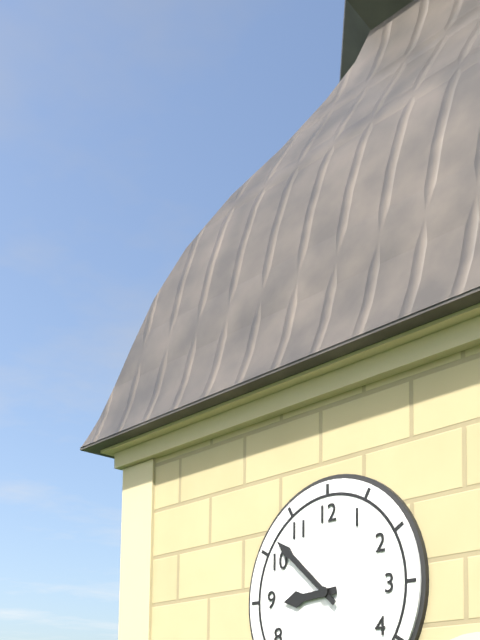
8:52
